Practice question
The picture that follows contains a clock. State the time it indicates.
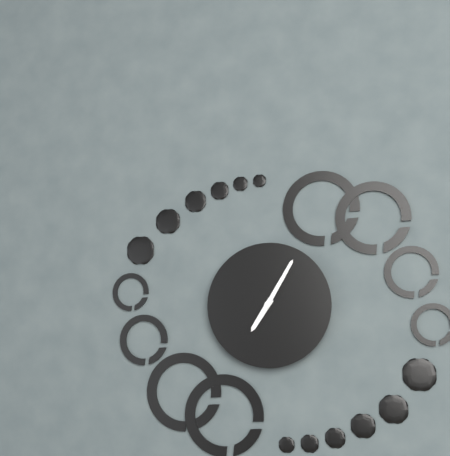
7:05
